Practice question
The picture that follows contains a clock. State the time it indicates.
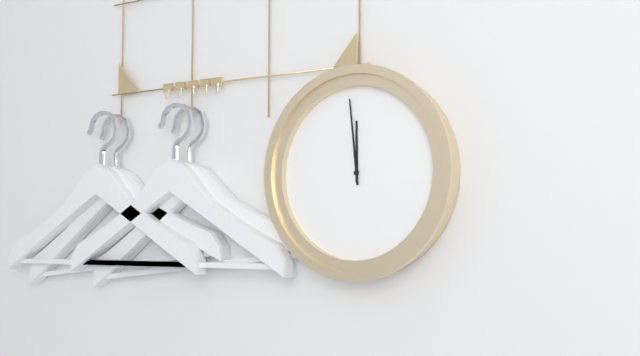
11:59
